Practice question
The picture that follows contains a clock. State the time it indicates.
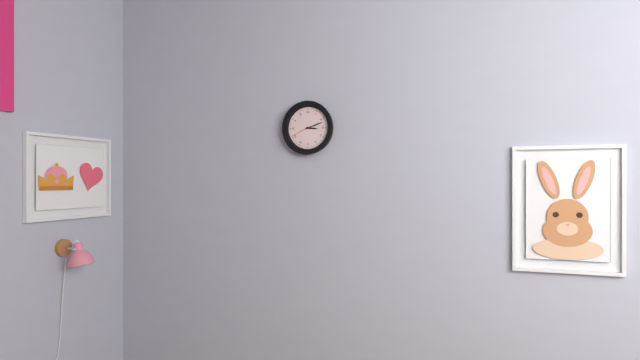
3:12
